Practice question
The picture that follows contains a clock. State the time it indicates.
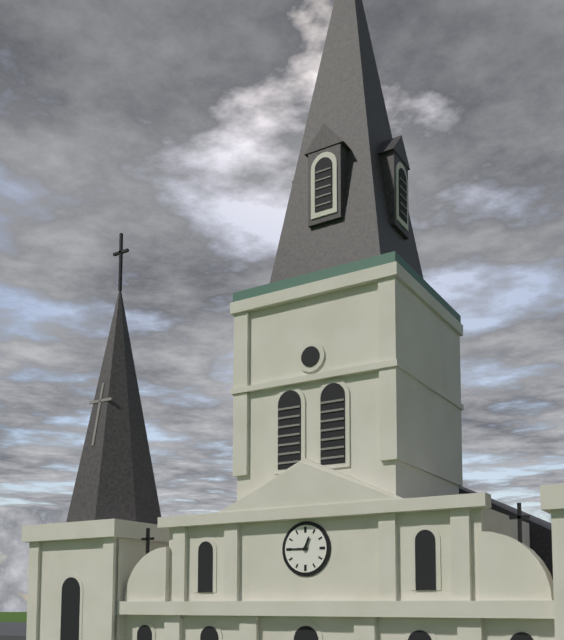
12:45
